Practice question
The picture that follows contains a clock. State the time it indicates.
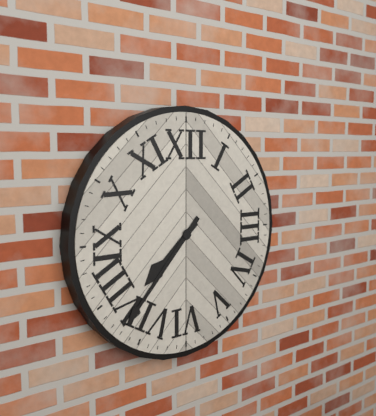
7:37
